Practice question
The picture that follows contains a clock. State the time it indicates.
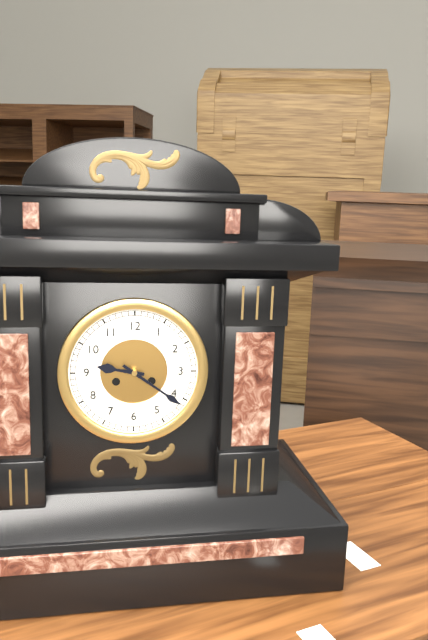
9:21
